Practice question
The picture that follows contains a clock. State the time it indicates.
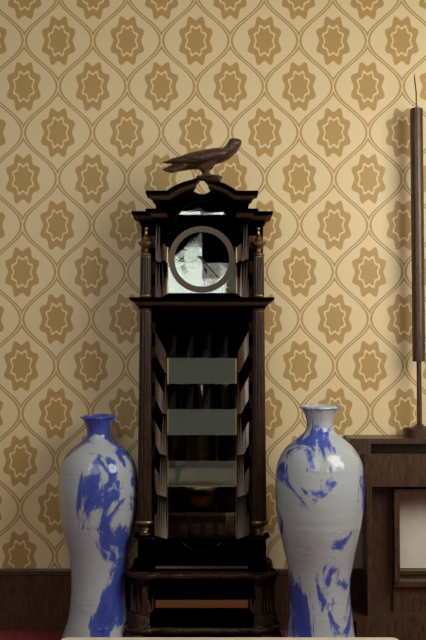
5:23
